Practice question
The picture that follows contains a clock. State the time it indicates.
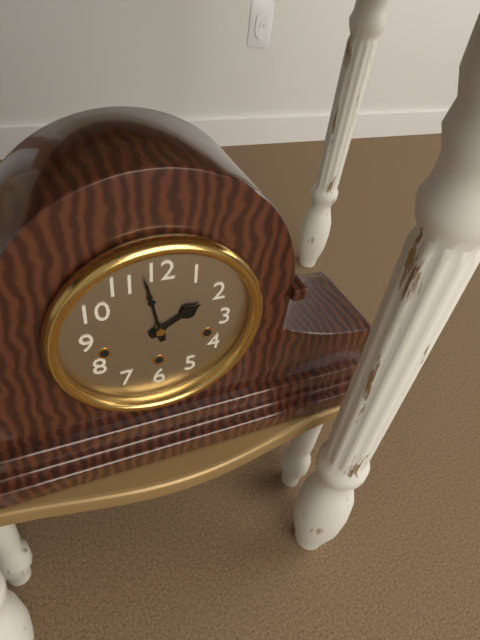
1:58
